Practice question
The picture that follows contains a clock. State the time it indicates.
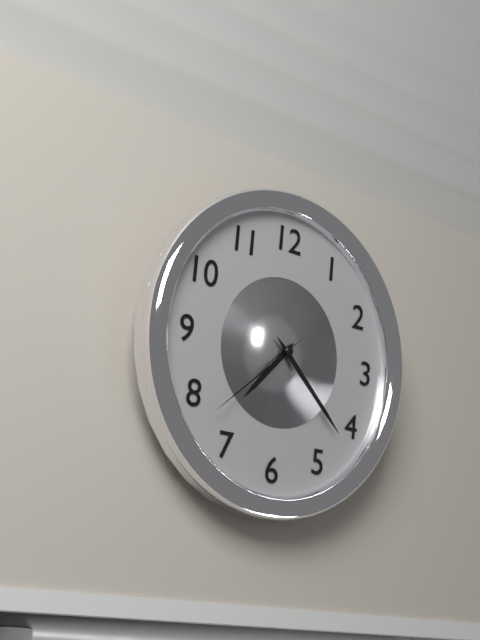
7:22:38
